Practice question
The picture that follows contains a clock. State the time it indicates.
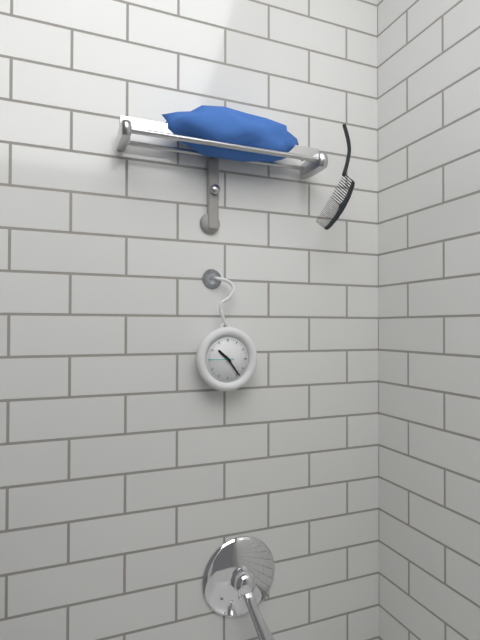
10:24
